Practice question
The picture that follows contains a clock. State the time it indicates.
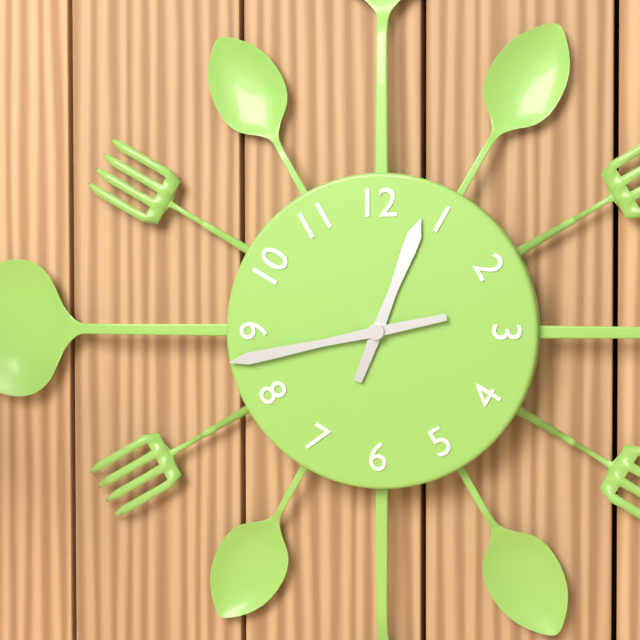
12:43
